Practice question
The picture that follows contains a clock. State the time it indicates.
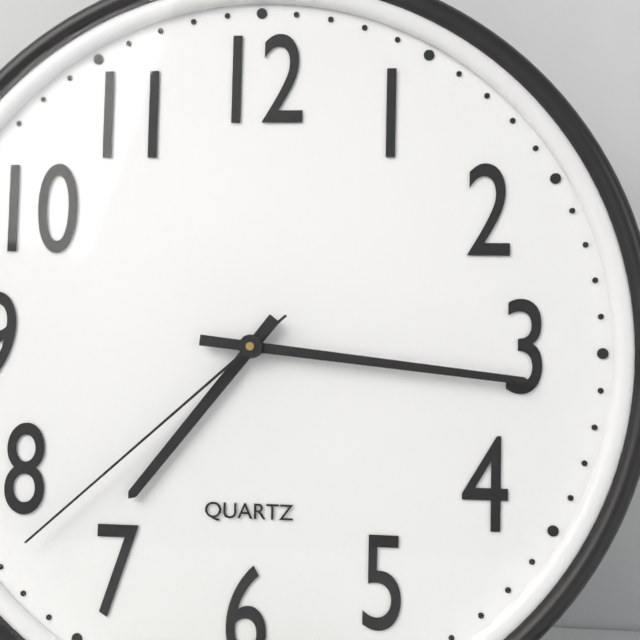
7:16:38
